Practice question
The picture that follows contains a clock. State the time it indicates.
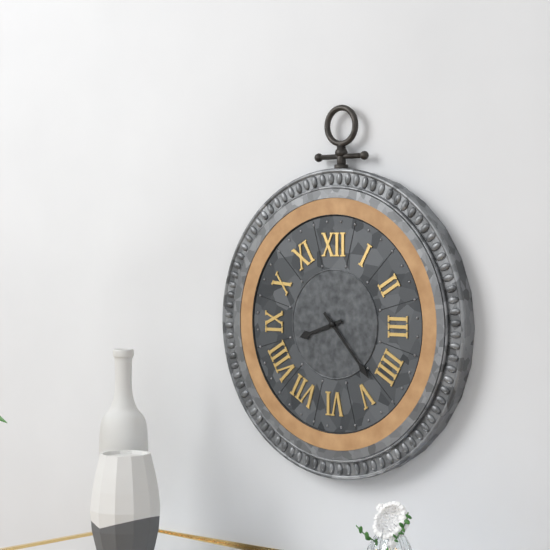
8:23
